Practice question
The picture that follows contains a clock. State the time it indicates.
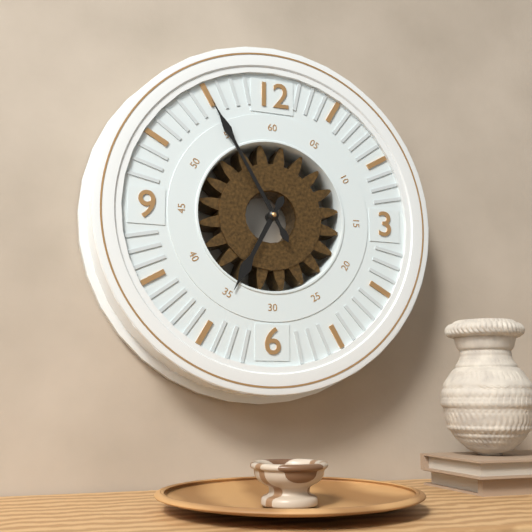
6:55
